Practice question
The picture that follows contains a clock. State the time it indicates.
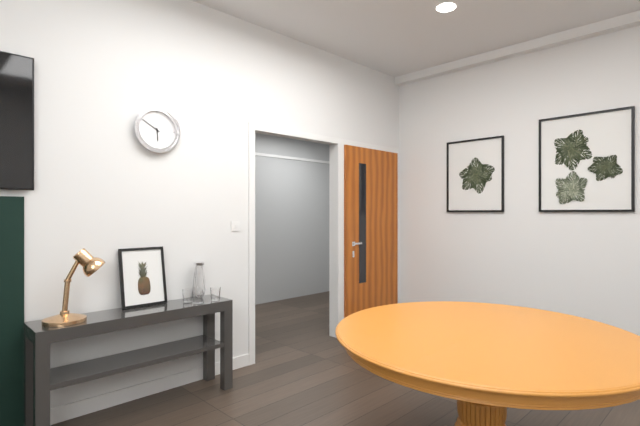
5:50
